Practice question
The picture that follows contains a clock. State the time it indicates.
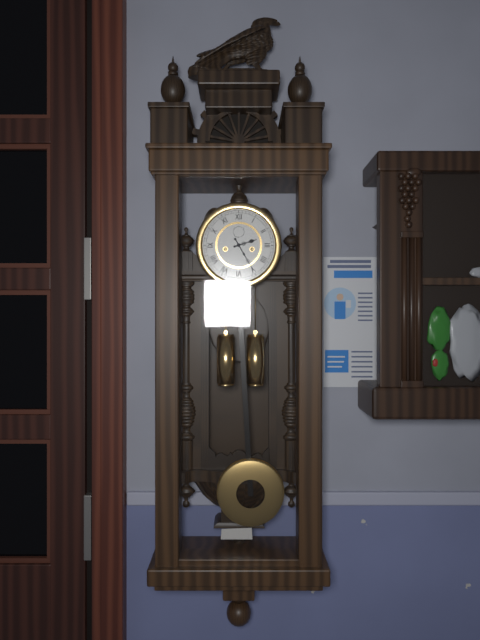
2:25
